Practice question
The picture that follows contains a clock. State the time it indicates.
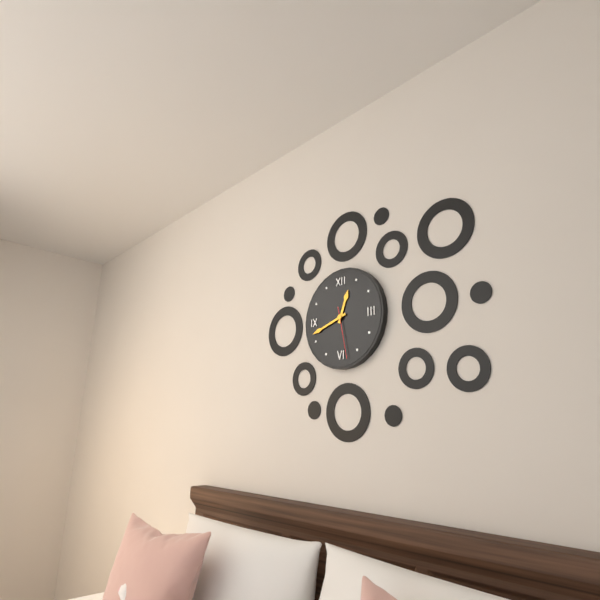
12:42:28
